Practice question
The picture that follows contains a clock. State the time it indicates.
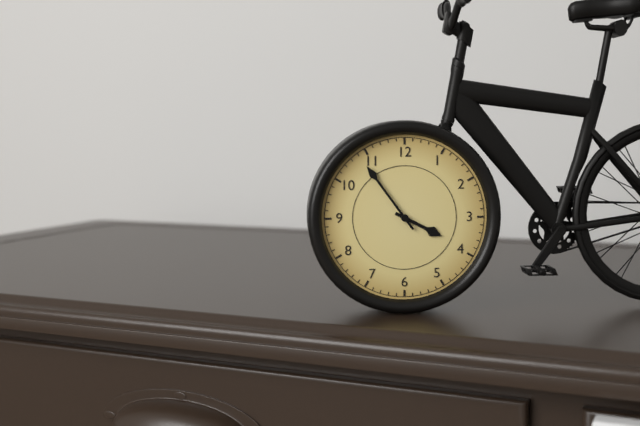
3:54
